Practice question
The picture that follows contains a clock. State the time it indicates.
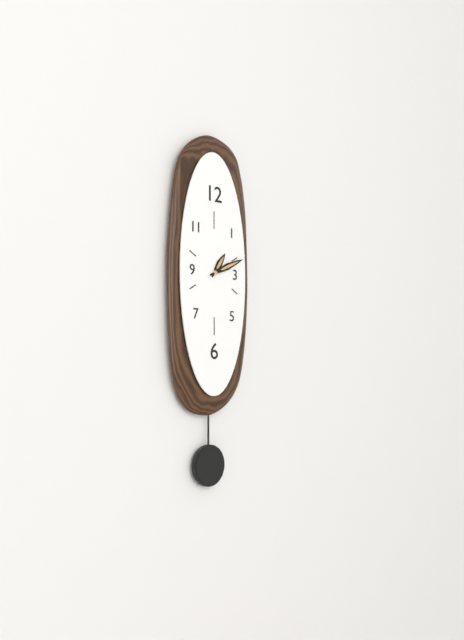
1:11
